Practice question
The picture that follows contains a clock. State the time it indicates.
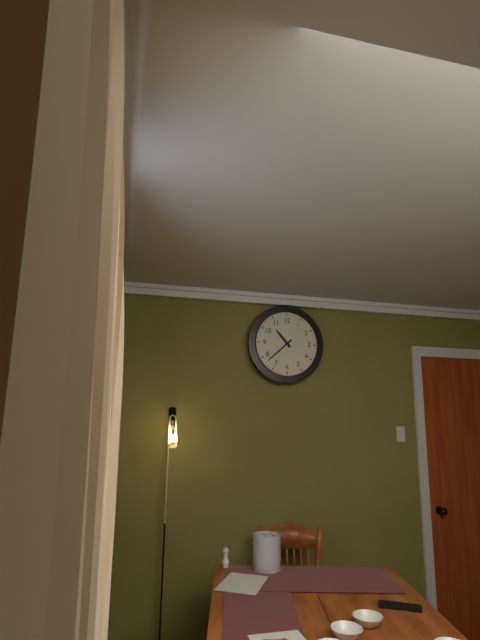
10:38
